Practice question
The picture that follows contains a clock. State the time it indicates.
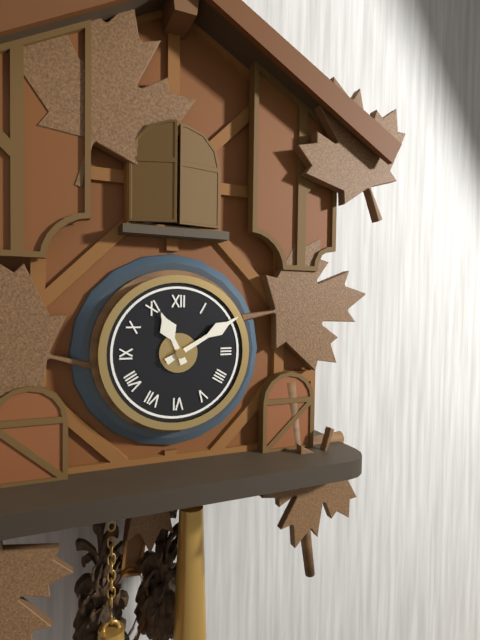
11:10
